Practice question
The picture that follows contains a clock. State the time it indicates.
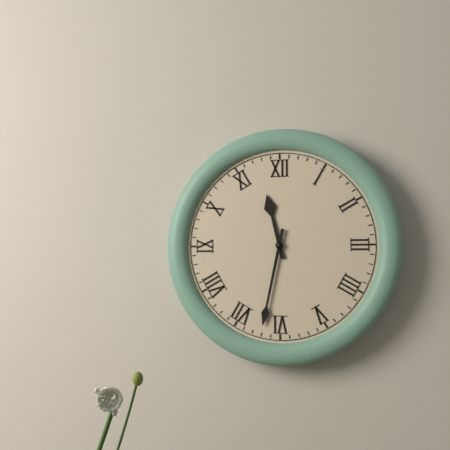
11:32
